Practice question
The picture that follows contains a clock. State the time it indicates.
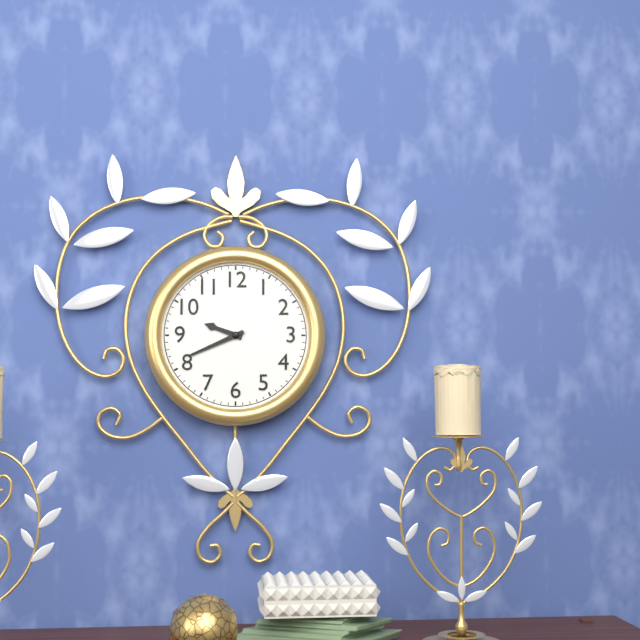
9:41
